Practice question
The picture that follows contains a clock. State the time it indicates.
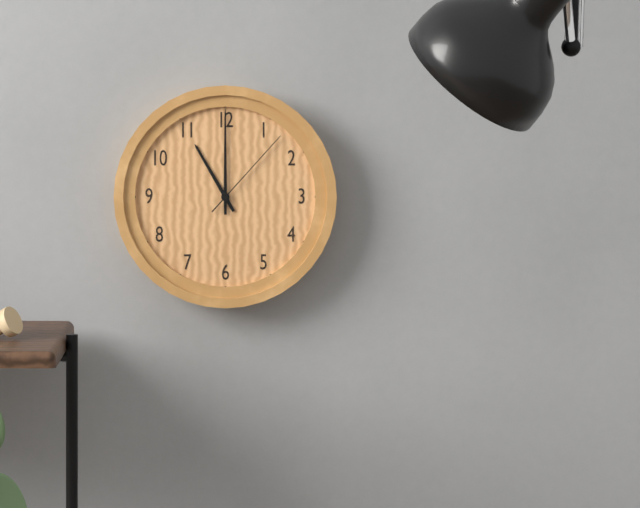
11:00:07
